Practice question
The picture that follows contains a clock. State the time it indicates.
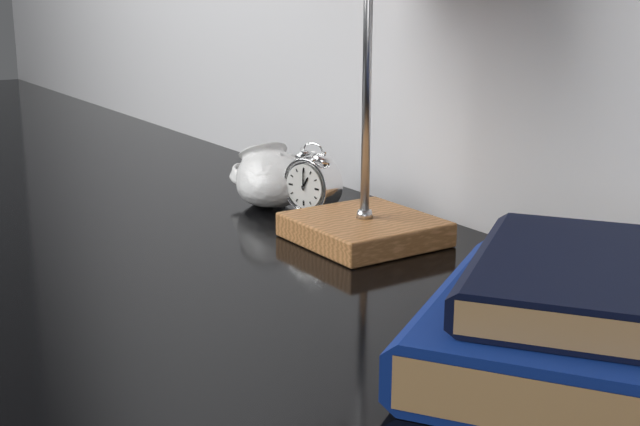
1:00
